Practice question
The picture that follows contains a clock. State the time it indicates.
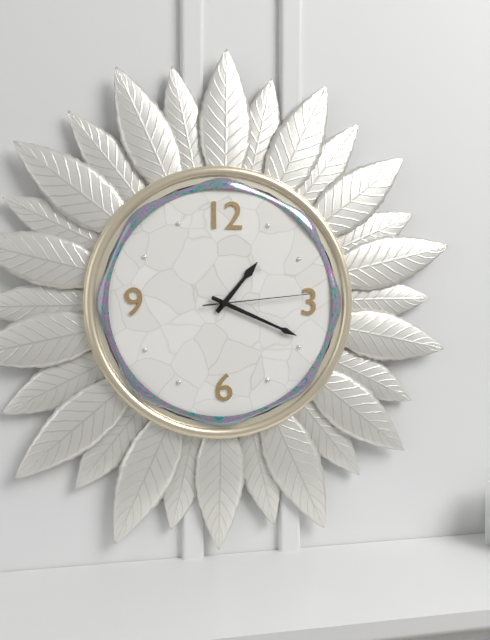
1:19:14
